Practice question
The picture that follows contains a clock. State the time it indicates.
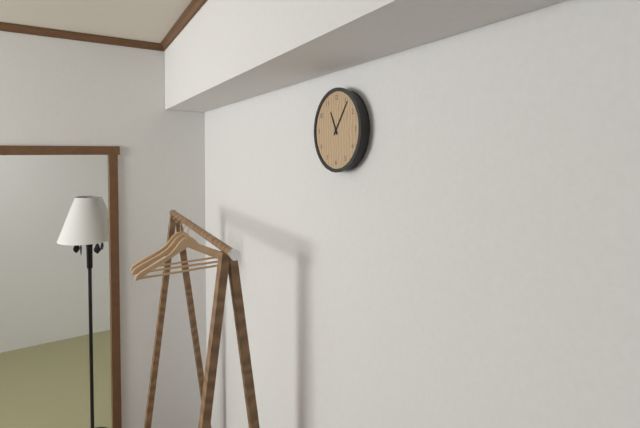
11:06
